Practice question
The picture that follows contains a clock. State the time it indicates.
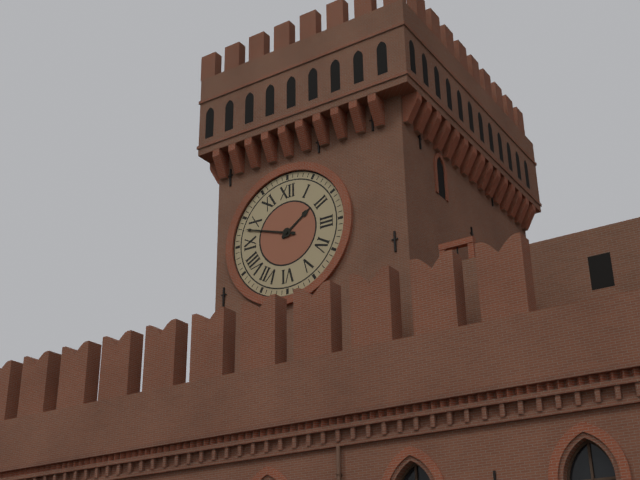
1:48
